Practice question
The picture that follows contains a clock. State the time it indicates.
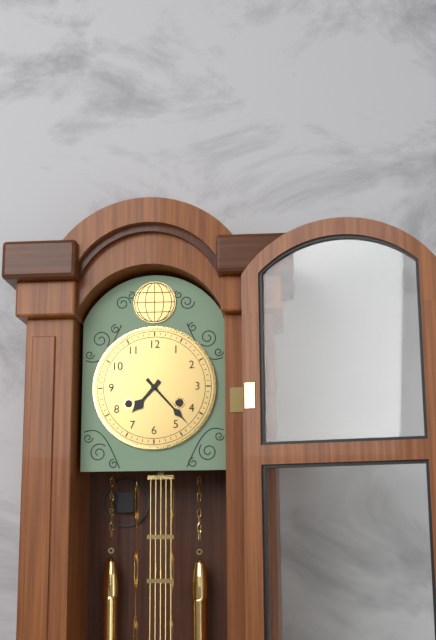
7:23
